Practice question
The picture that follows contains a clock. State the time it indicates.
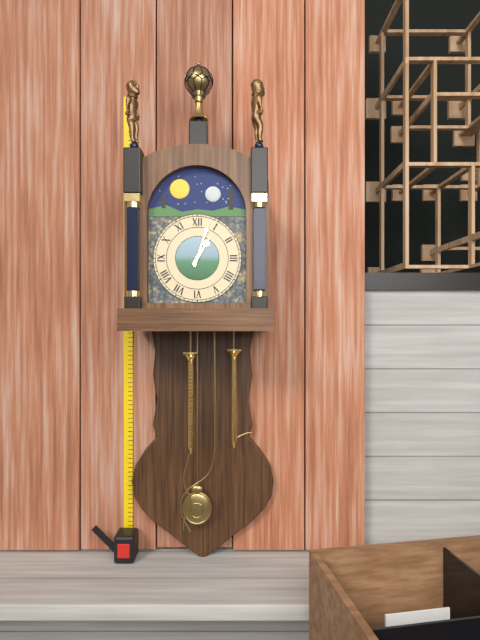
1:03
